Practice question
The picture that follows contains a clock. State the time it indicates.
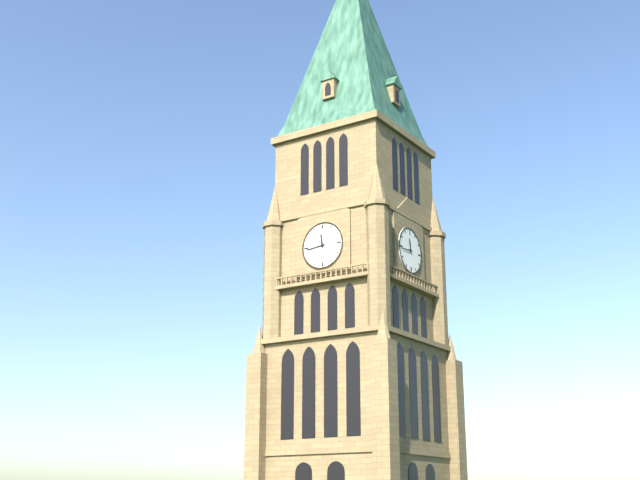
11:44
